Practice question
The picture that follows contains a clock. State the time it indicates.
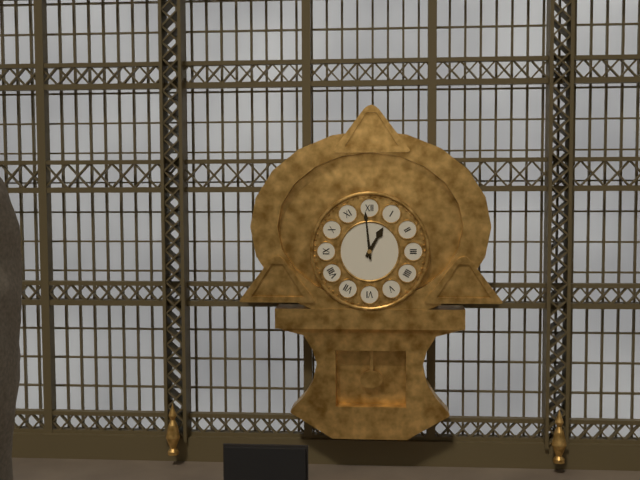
12:59
